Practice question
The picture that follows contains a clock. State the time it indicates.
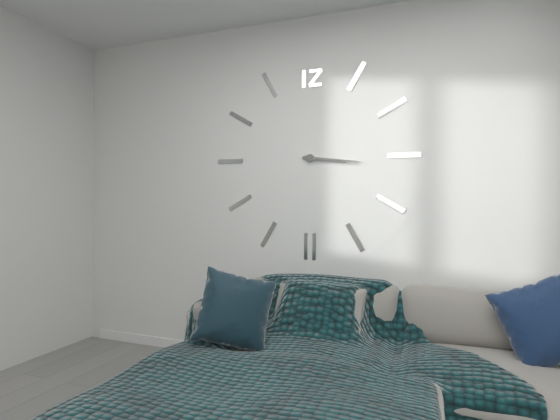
3:16
